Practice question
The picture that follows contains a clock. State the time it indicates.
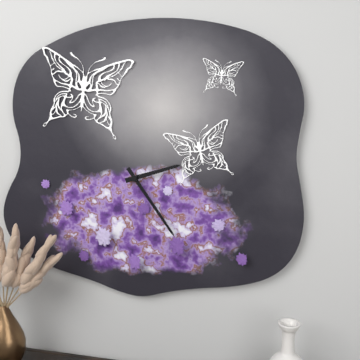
2:24
